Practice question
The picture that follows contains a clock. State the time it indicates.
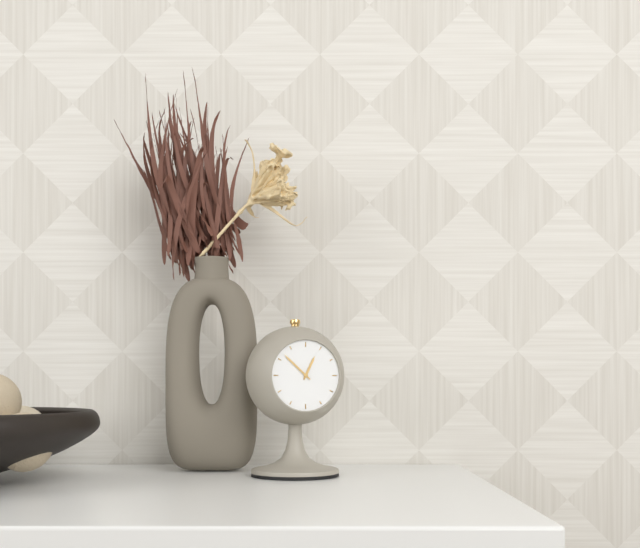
12:52
